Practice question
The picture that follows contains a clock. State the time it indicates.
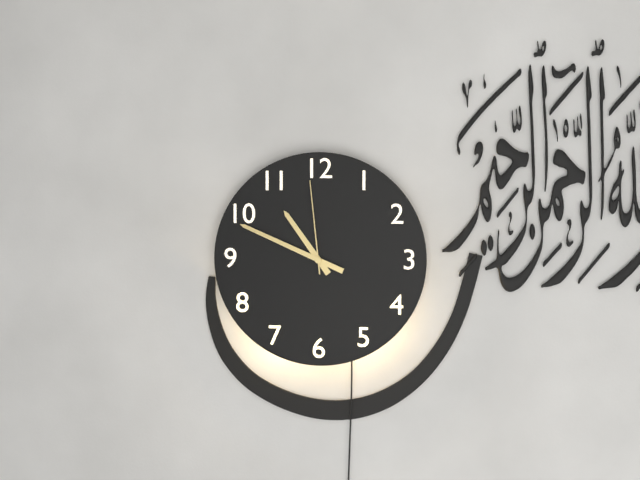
10:49:59
